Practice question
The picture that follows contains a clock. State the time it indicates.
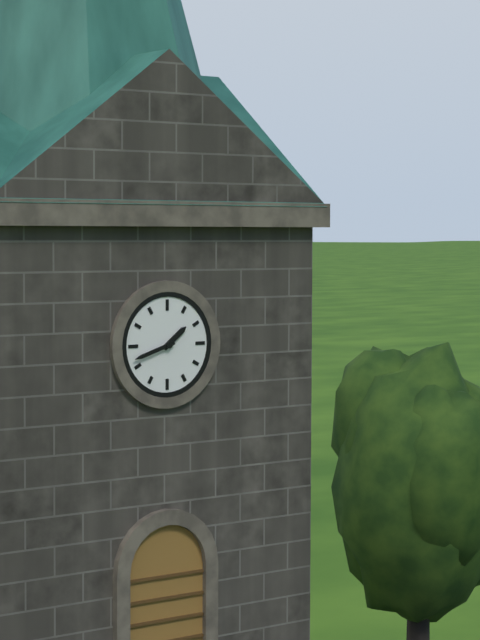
1:42
